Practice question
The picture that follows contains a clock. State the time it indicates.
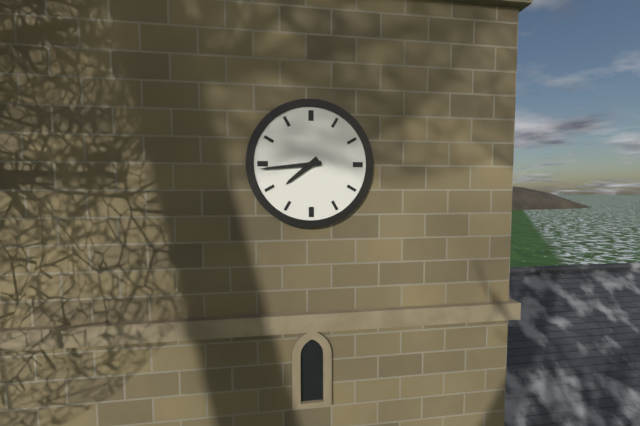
7:44
